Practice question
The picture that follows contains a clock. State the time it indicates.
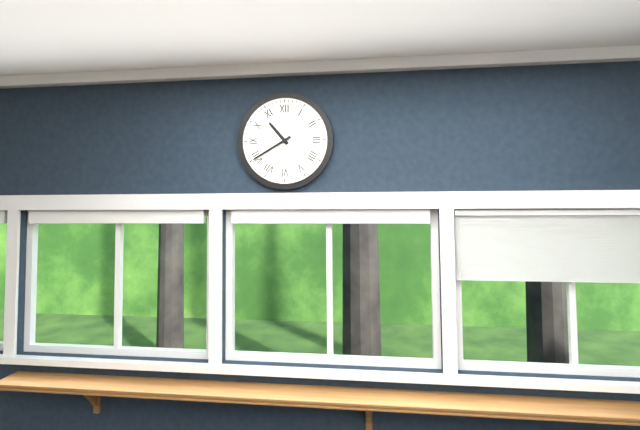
10:40
